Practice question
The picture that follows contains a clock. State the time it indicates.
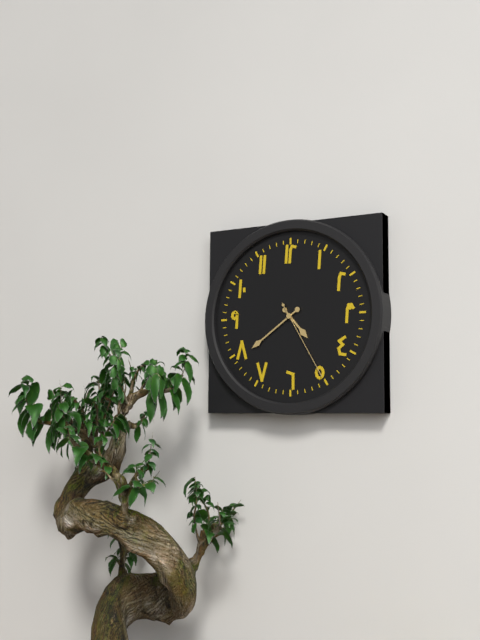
4:39:25
